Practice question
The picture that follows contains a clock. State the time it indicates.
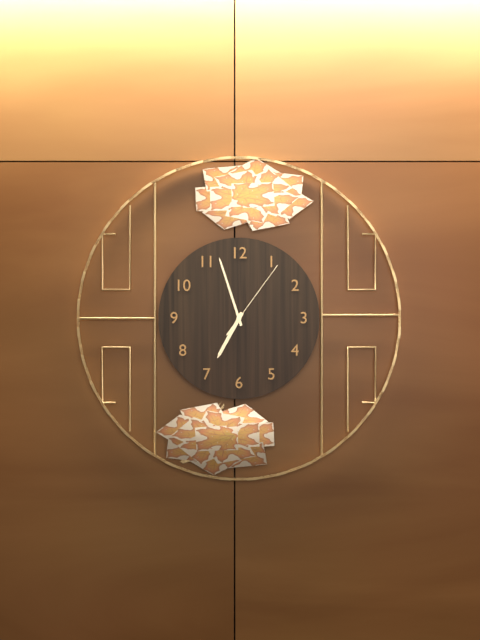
6:57:06
